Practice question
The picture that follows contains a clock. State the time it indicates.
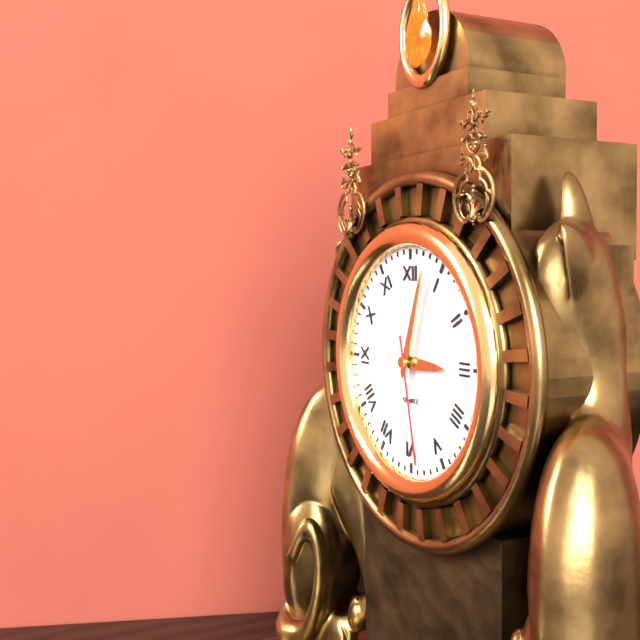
3:03:28
